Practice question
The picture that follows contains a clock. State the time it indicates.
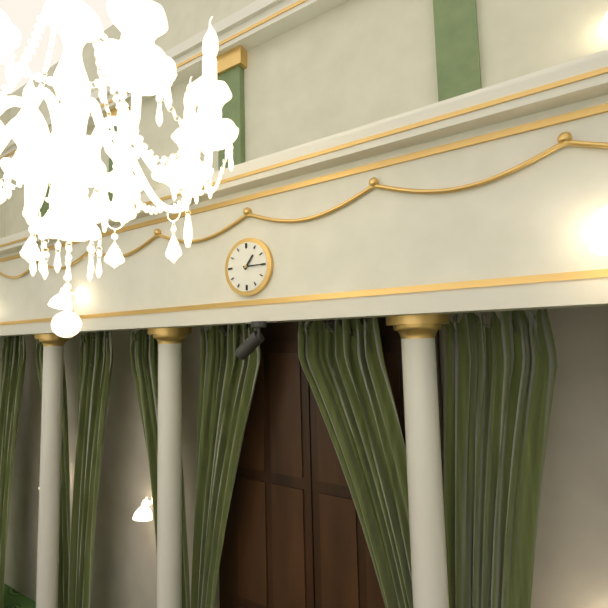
1:15
